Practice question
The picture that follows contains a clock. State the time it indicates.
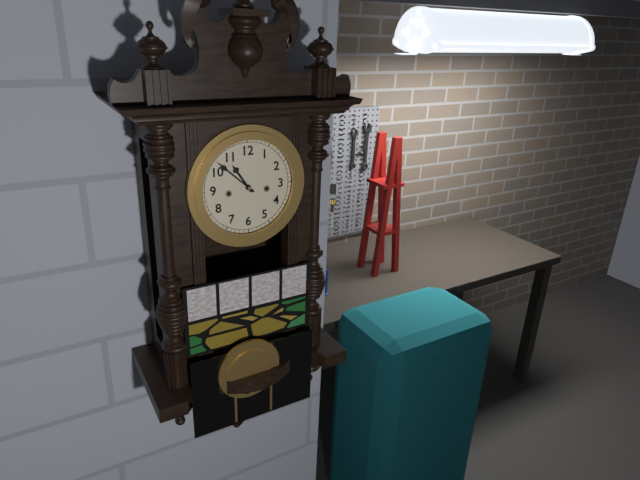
10:52
